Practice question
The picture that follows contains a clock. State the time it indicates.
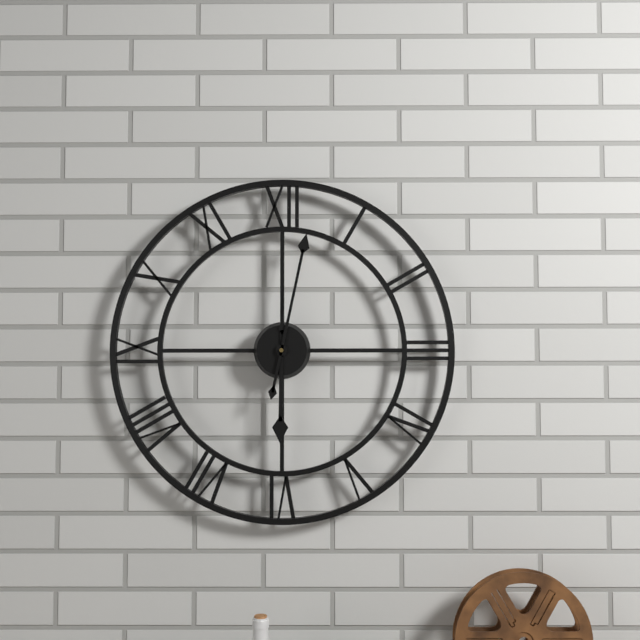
6:02
